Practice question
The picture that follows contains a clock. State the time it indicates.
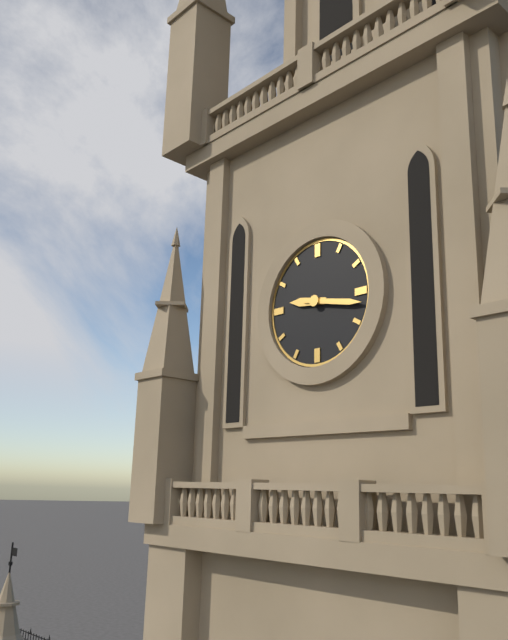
9:17
